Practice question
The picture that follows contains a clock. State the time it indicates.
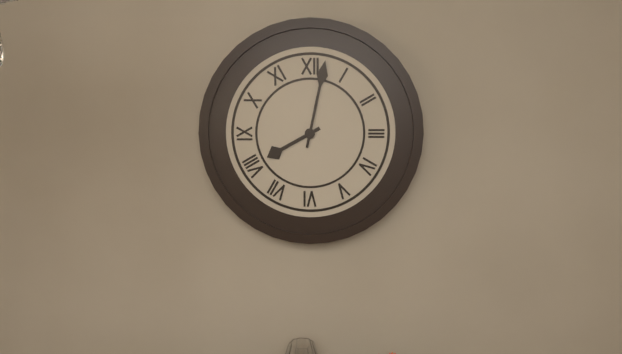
8:02
